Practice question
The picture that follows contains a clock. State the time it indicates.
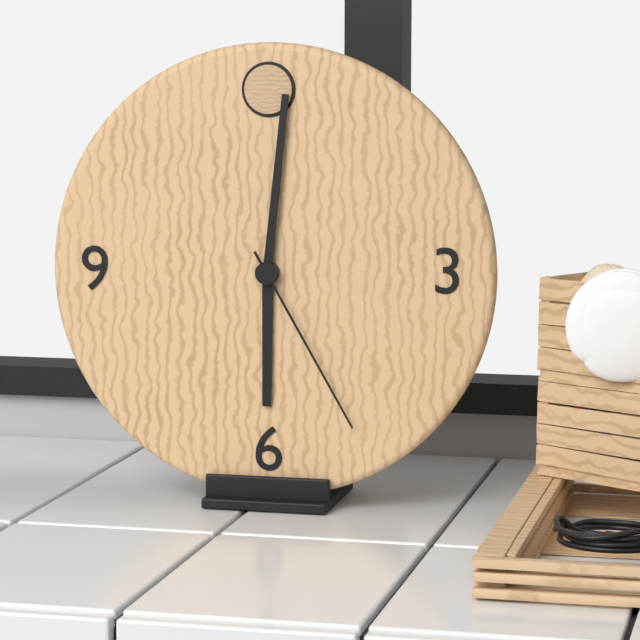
6:01:25
